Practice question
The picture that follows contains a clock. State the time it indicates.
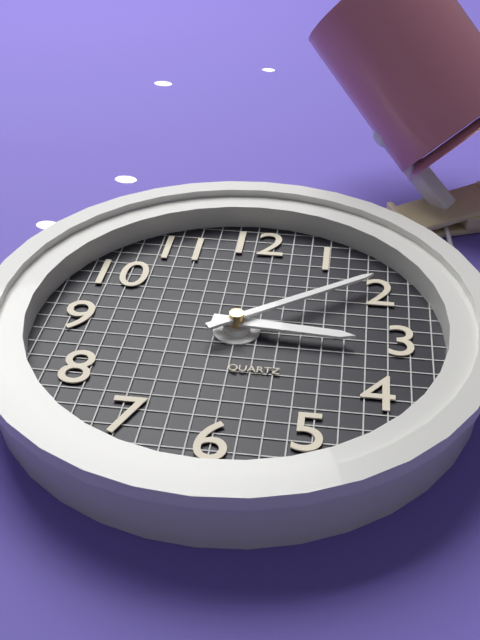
3:09
